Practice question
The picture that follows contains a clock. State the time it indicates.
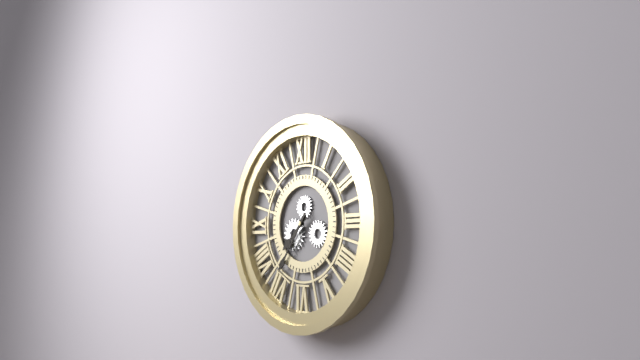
7:36
